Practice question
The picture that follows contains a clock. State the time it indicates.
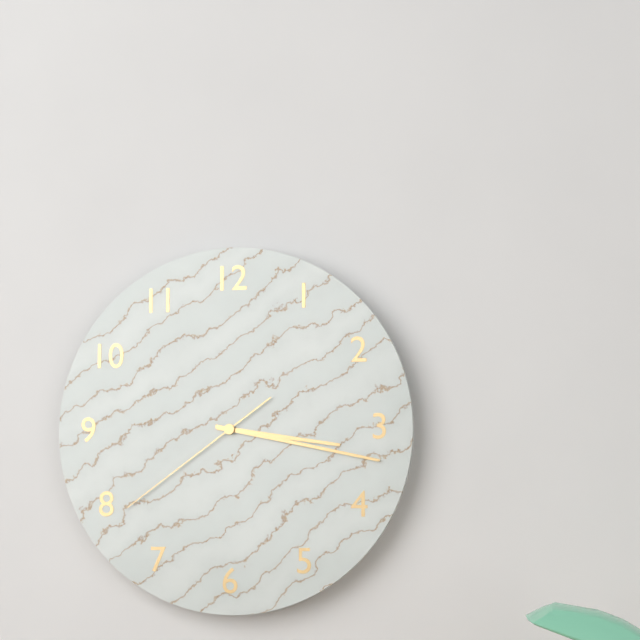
3:17:39
